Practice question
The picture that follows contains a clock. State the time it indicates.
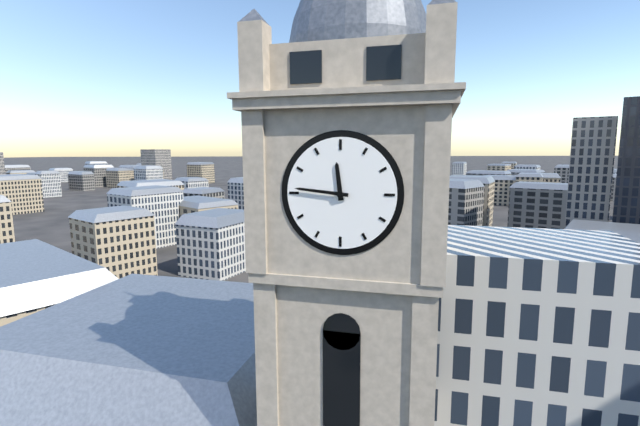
11:46
